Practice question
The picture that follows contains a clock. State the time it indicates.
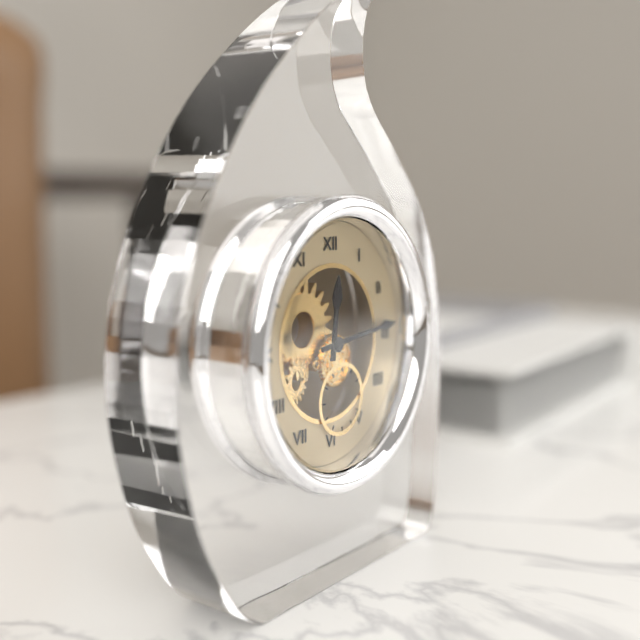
12:14
